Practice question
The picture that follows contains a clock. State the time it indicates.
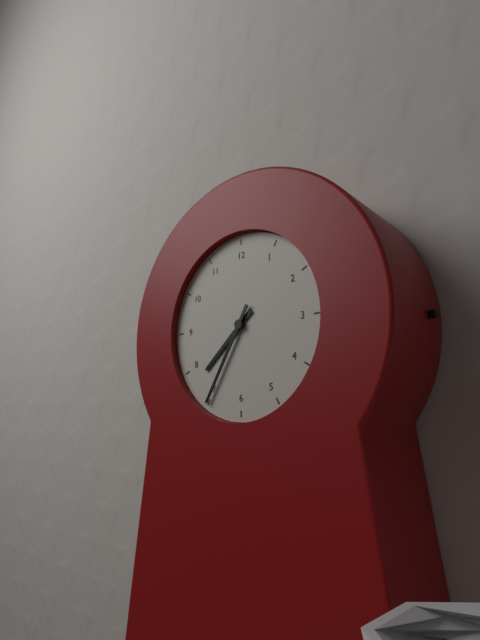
7:35
